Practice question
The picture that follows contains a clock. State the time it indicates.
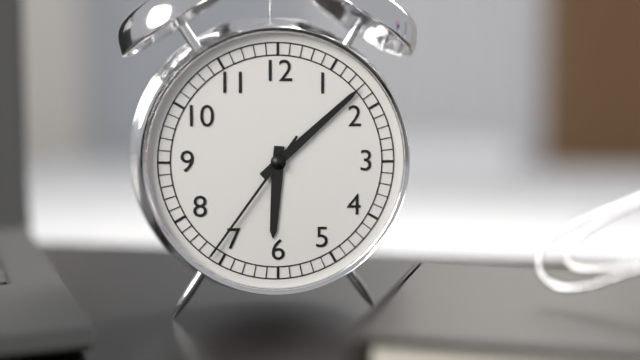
6:08:36
